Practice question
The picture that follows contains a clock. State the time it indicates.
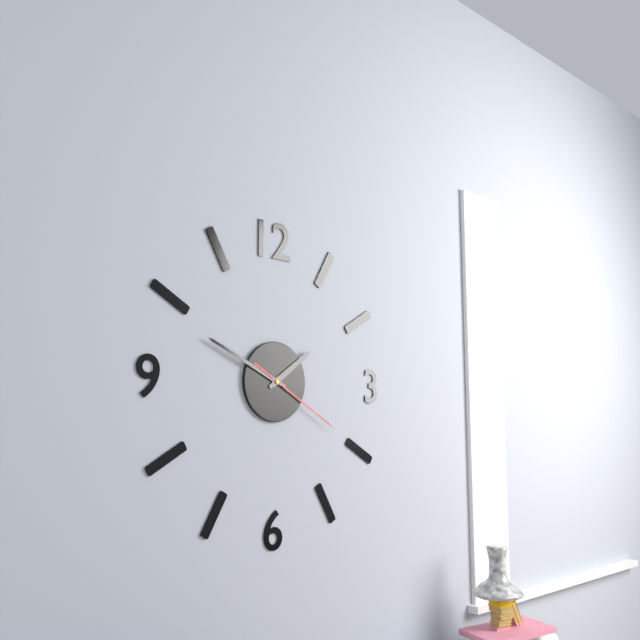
1:49:20
